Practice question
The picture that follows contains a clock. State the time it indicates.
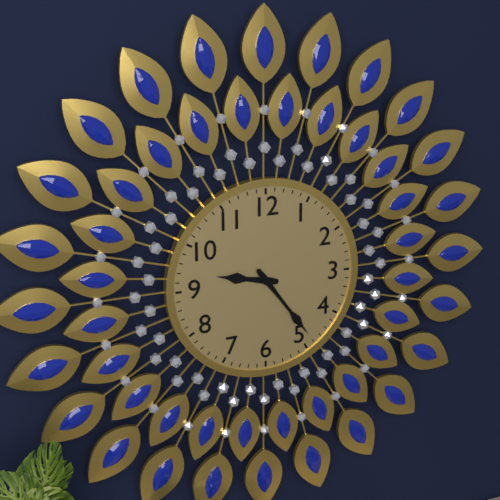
9:24
